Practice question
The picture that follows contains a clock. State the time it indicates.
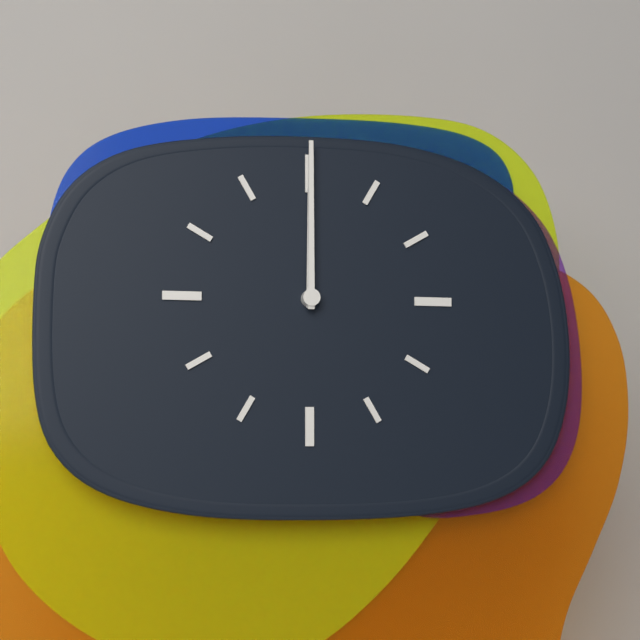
12:00
